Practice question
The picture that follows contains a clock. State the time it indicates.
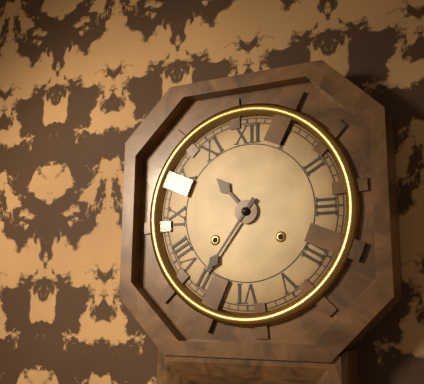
10:36
